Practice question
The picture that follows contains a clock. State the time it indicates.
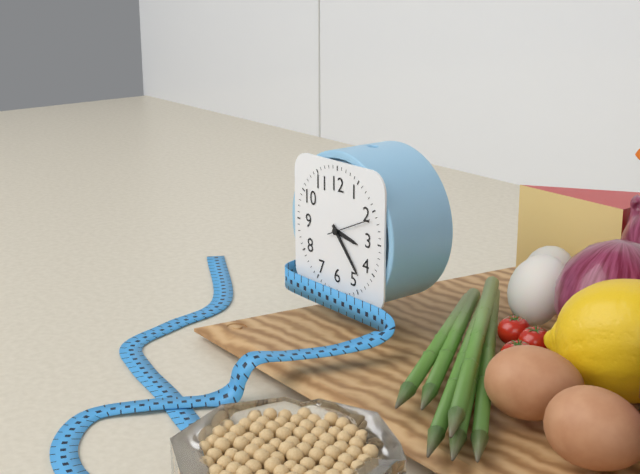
3:23
